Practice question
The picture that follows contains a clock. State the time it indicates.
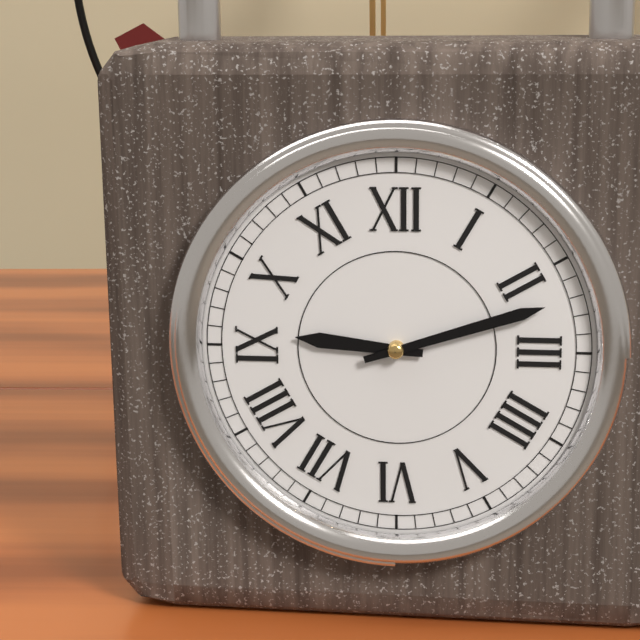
9:12
